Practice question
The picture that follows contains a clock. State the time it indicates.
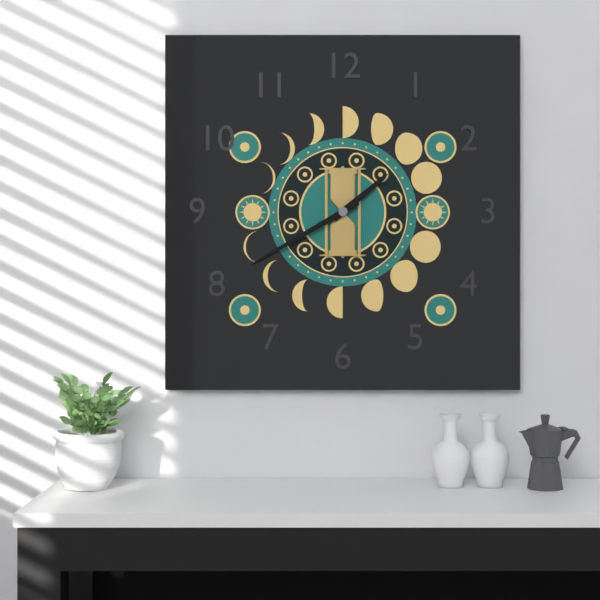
1:40
